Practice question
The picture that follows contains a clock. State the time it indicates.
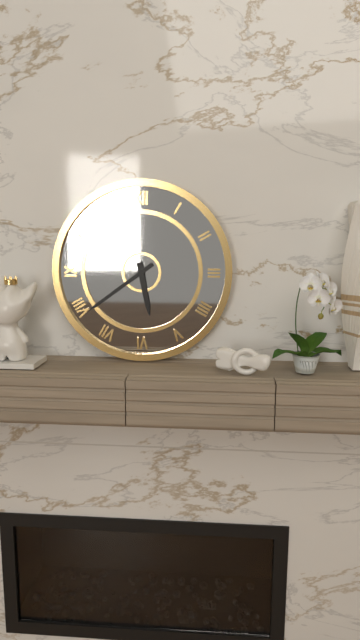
5:39
